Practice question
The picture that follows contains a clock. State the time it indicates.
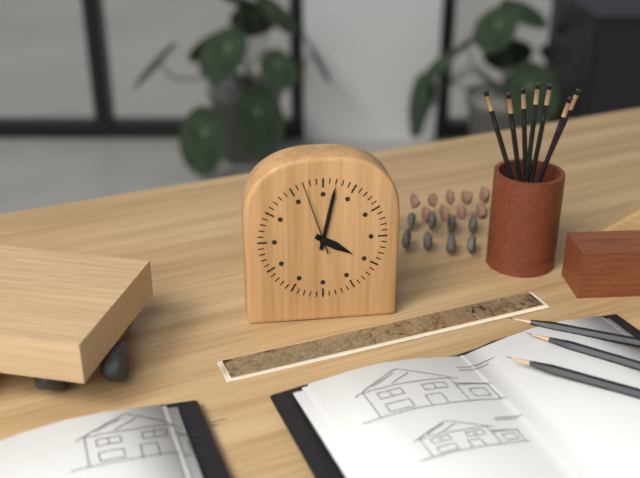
4:02:57
